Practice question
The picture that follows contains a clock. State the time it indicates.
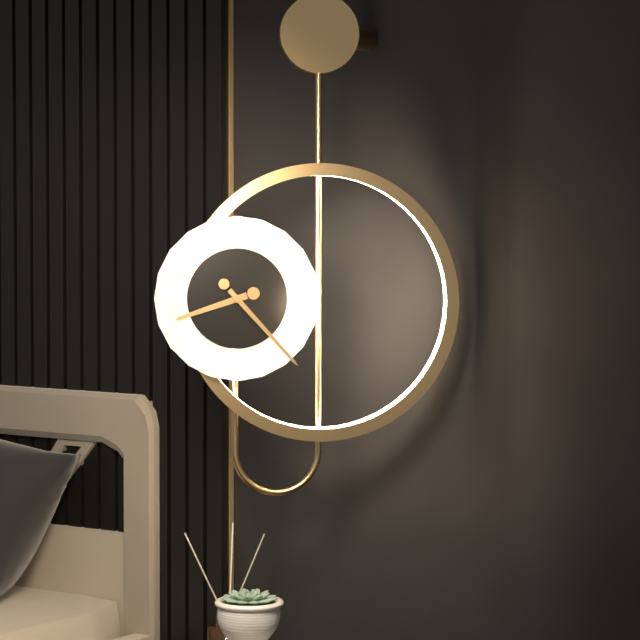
8:23
